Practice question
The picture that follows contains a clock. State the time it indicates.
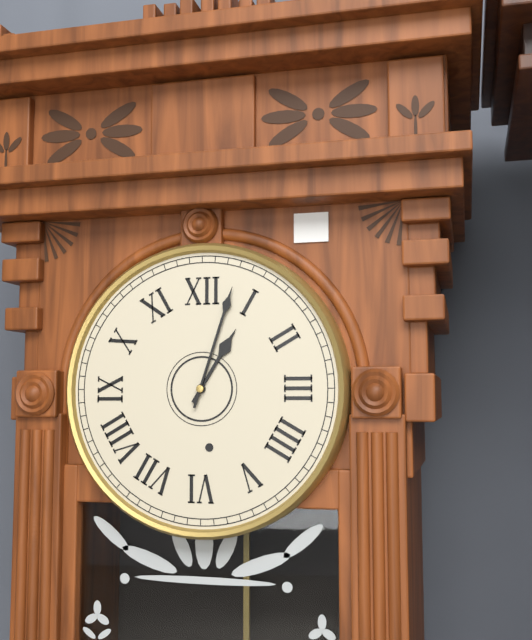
1:03
